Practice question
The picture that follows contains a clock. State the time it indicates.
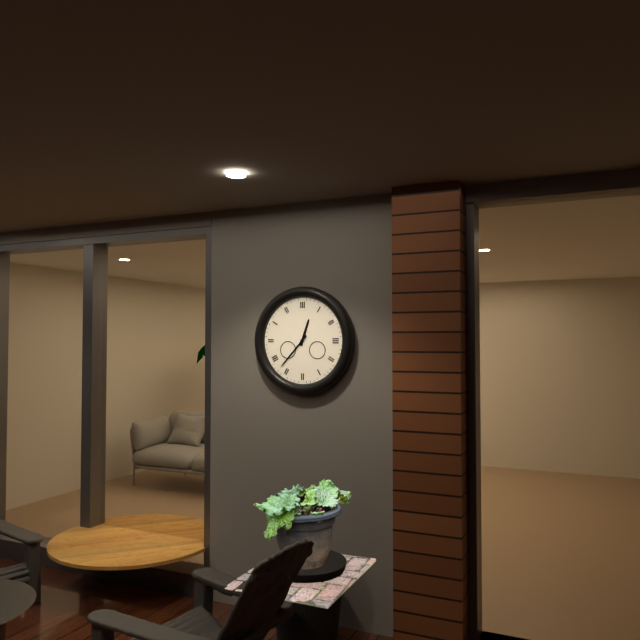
12:37
